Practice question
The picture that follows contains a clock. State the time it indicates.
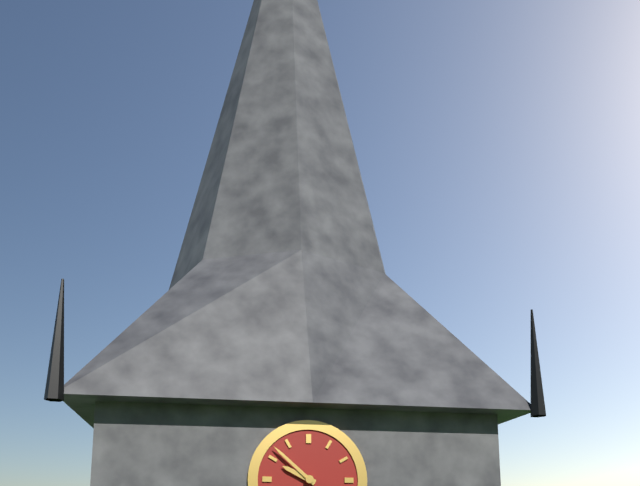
9:52
